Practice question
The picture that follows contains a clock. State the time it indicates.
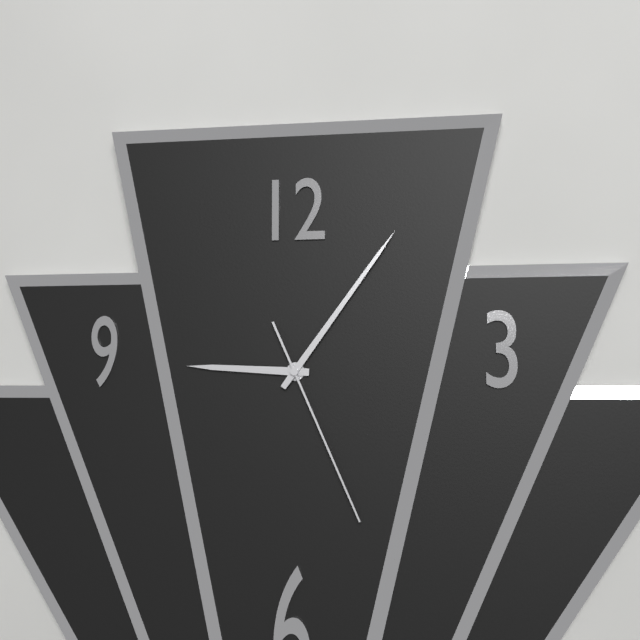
9:06:26
